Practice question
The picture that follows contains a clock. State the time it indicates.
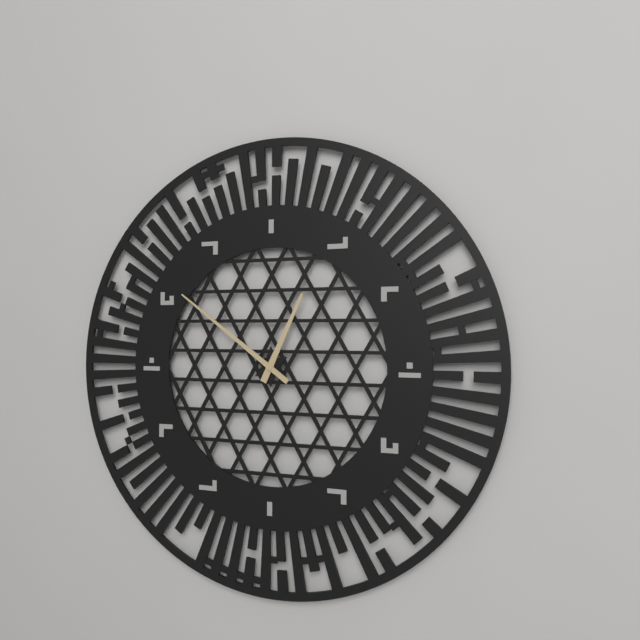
12:51
